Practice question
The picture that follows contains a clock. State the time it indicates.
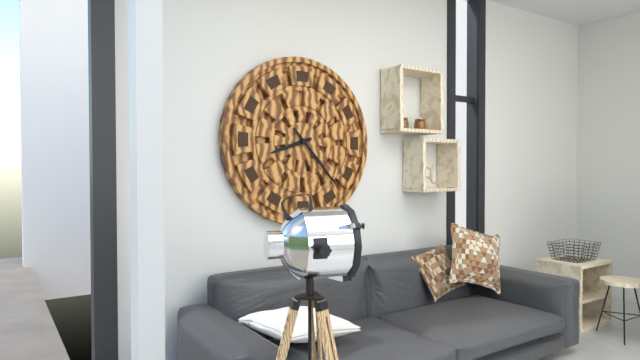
8:23
